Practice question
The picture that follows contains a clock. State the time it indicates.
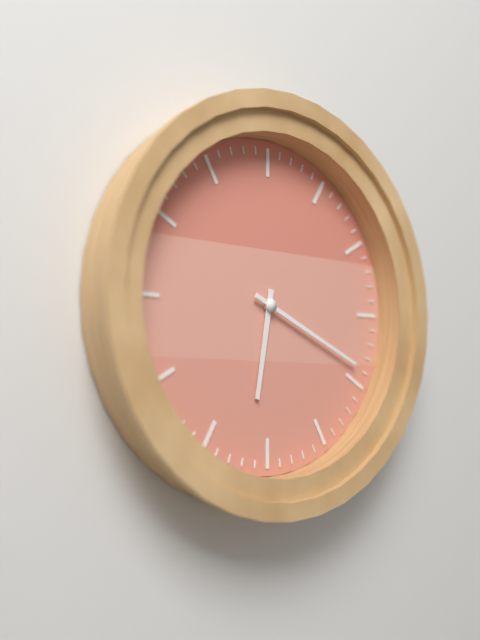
6:19
